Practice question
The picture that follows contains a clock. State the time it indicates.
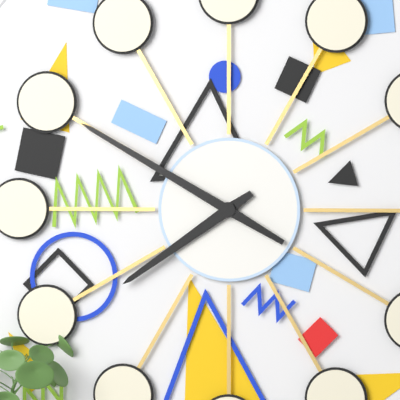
7:50
